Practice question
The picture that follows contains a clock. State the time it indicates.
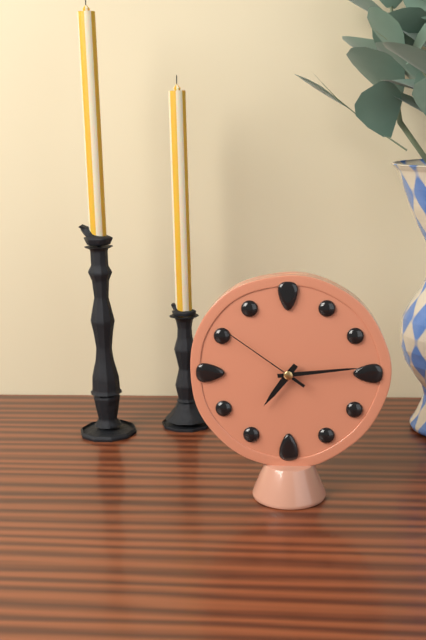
7:14:51
